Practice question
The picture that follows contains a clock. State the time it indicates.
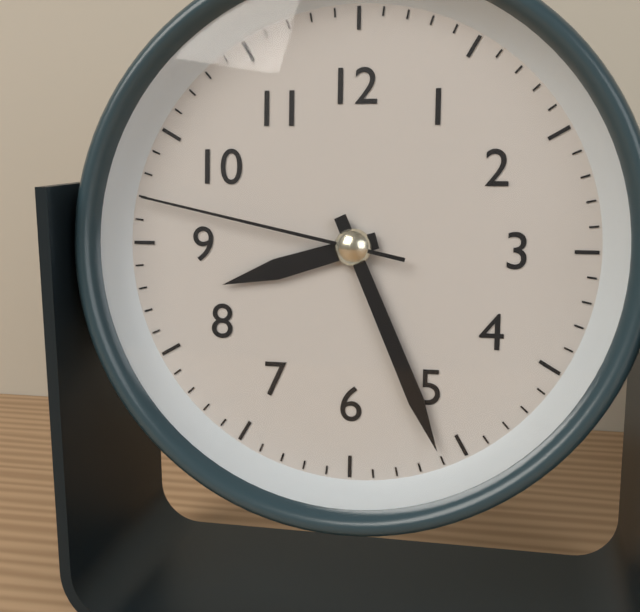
8:26:47
